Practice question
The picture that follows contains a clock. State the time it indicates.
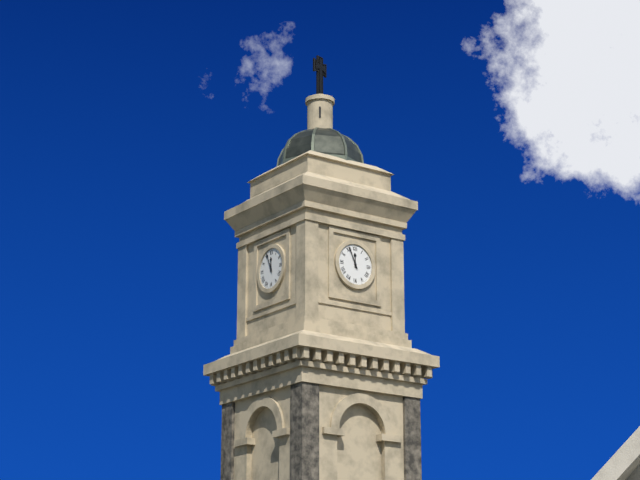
11:56
